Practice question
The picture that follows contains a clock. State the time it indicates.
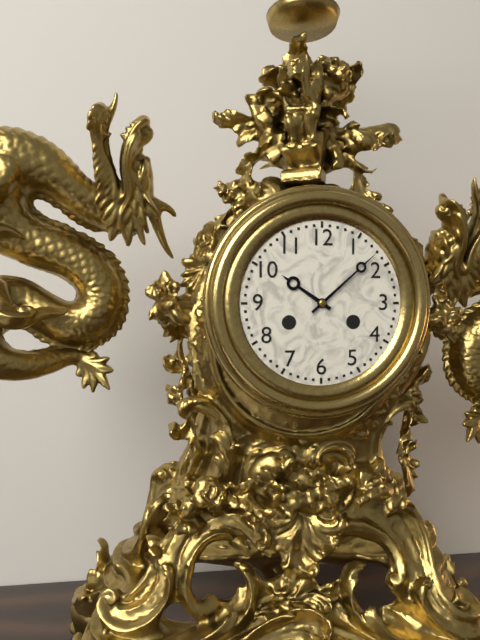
10:08
